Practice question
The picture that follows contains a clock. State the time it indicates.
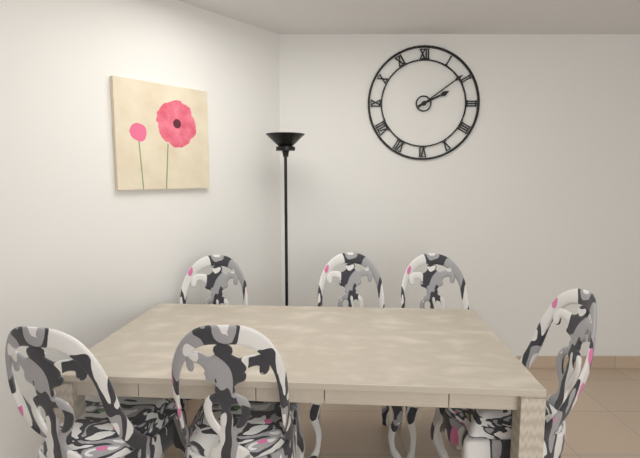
2:09
